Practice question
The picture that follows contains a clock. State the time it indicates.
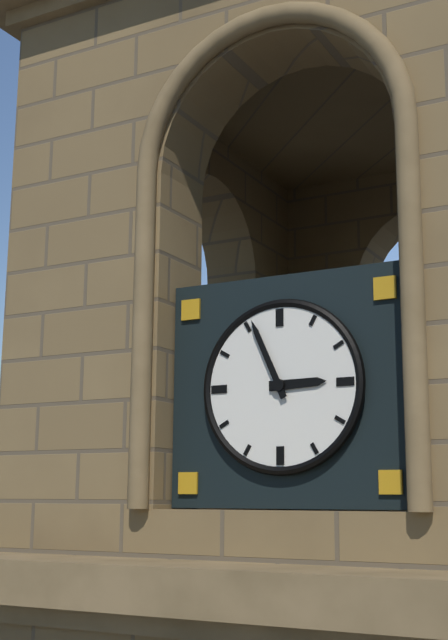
2:56
